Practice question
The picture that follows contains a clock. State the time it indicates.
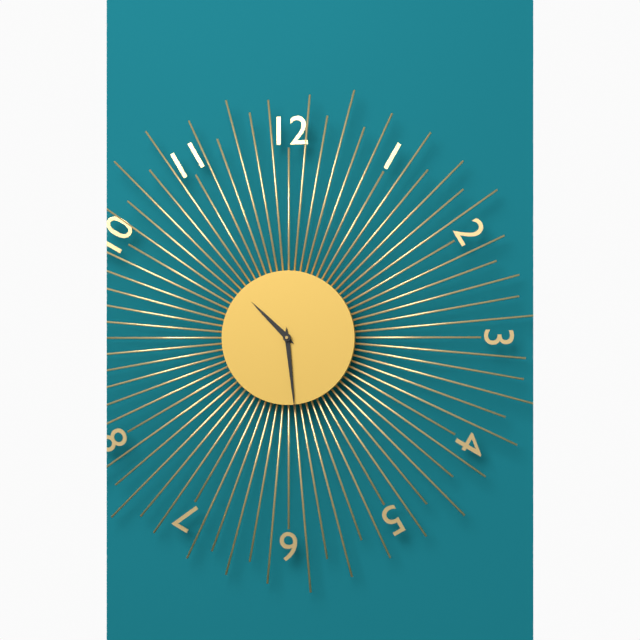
10:29
